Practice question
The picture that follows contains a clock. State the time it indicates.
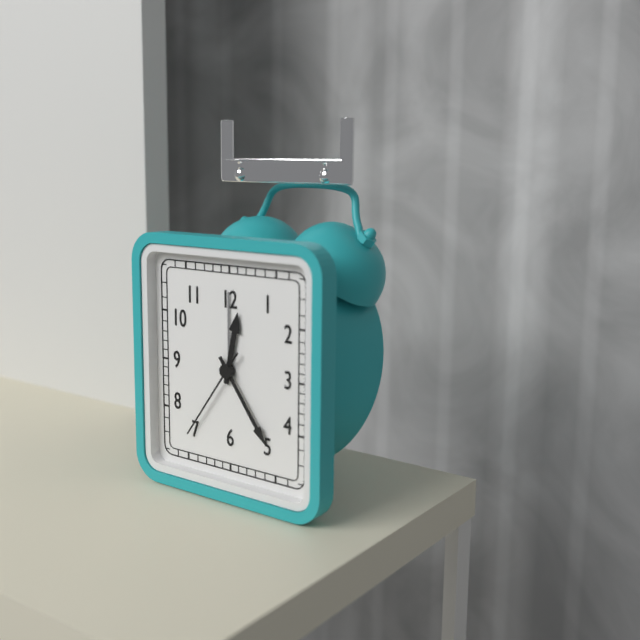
12:24:36
